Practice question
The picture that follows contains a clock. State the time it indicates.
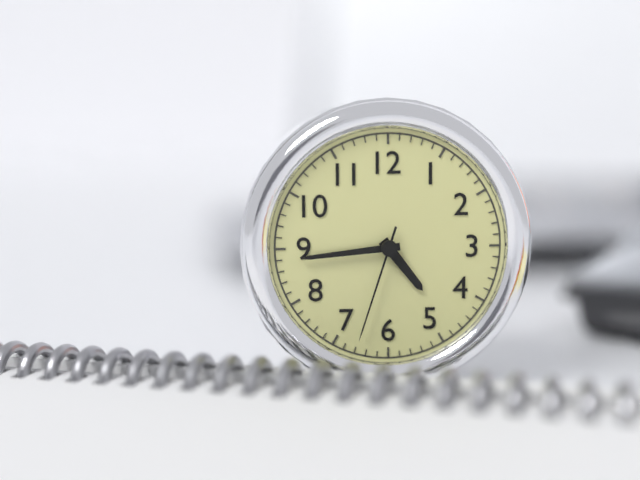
4:44:33
